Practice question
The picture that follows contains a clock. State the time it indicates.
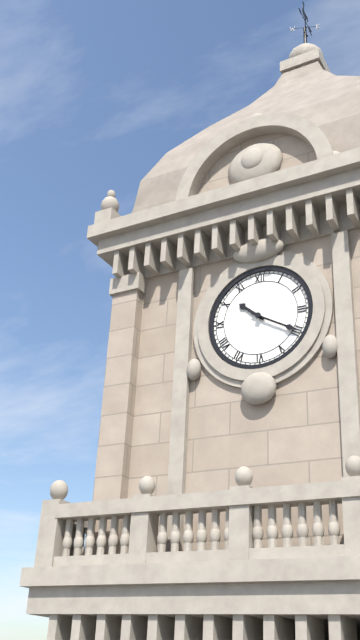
10:20
